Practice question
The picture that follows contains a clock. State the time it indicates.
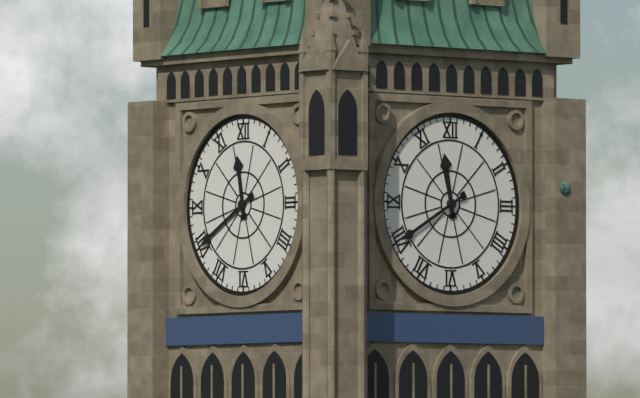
11:40
